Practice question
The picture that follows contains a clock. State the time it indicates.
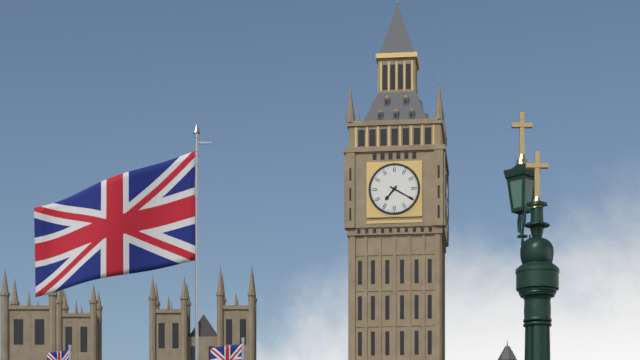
7:20
